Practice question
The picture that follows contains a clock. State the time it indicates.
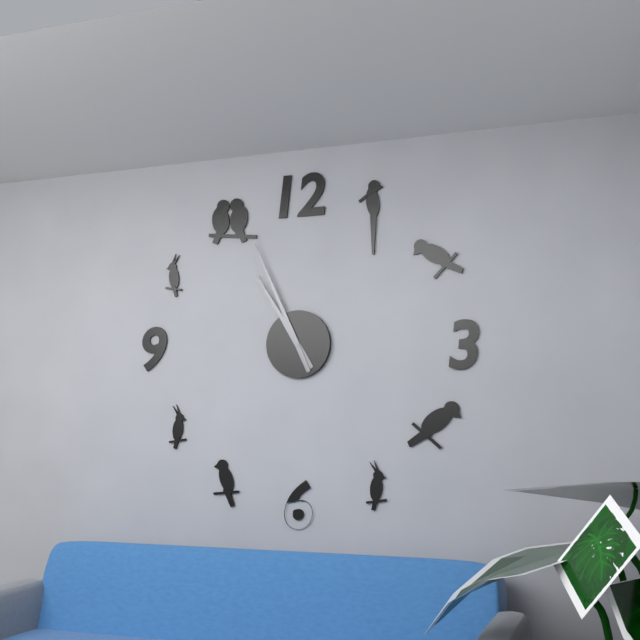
10:56
